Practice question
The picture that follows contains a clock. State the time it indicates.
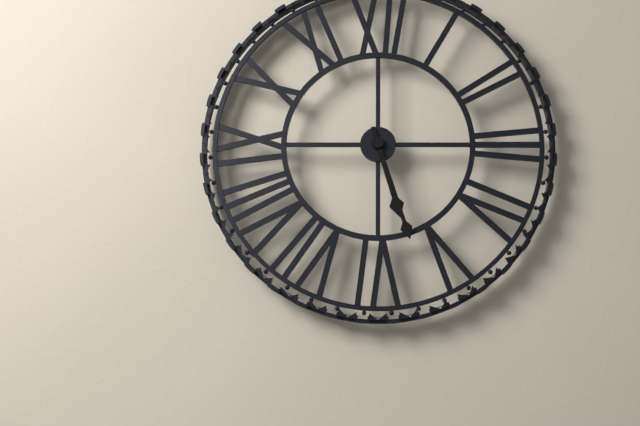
5:27
